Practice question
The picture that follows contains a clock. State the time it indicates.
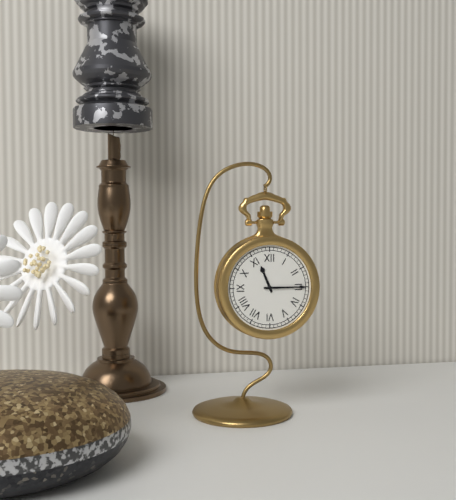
11:15
